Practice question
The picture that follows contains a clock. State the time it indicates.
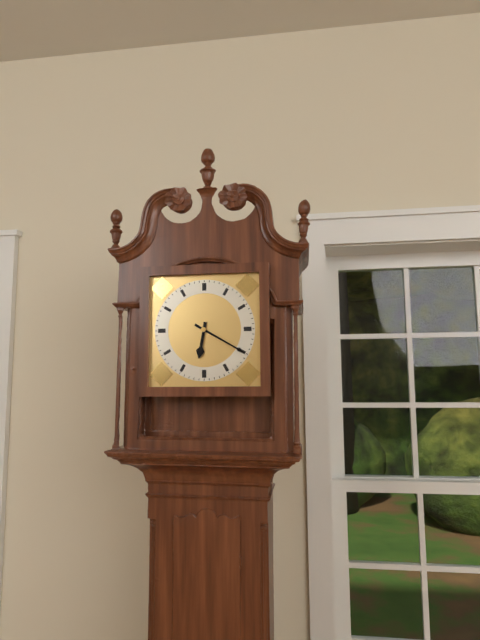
6:20
